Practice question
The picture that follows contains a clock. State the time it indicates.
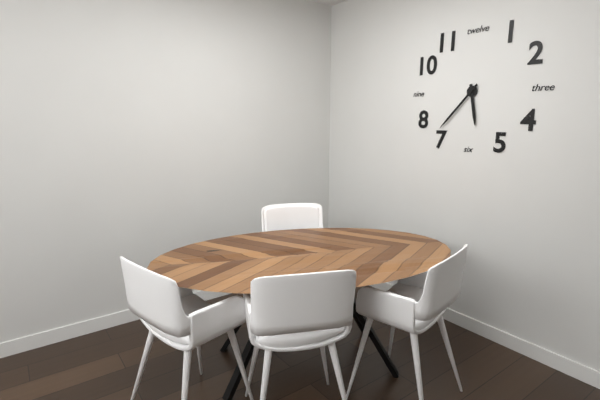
5:37
